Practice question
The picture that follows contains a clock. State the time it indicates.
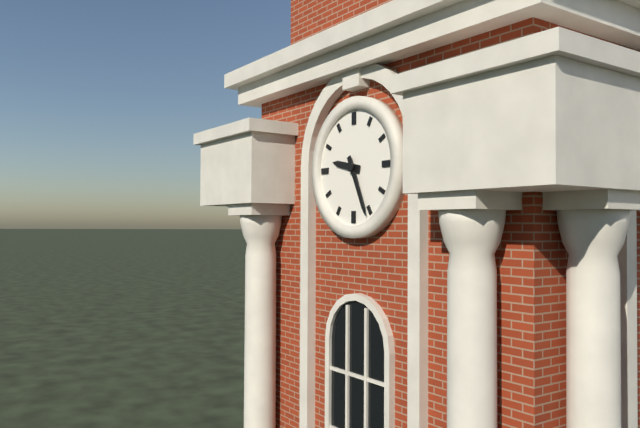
9:26
